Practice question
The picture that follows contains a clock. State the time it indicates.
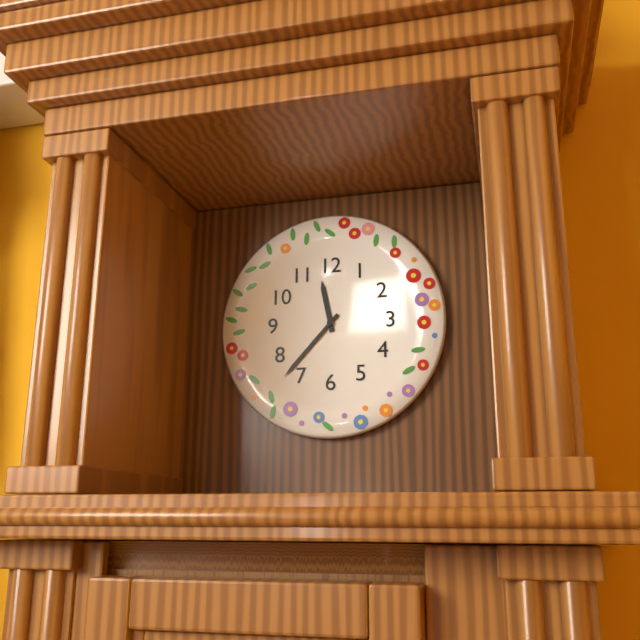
11:37
